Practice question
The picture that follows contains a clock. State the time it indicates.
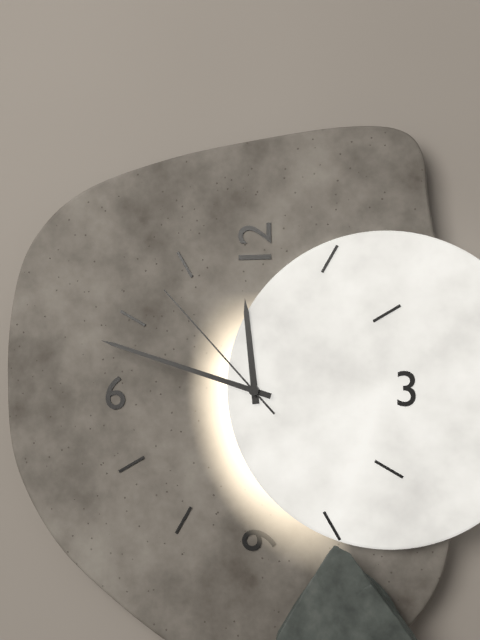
11:48:53
